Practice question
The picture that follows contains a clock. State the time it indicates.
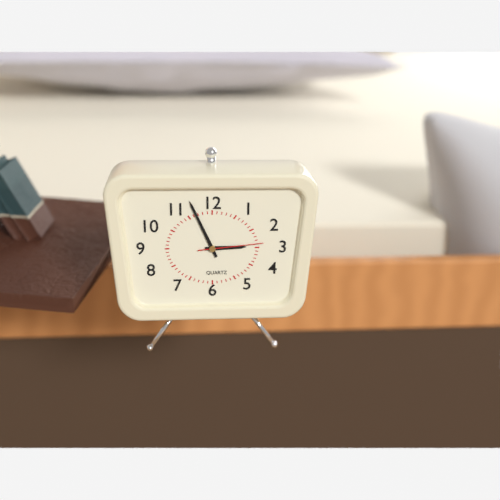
2:56:14
